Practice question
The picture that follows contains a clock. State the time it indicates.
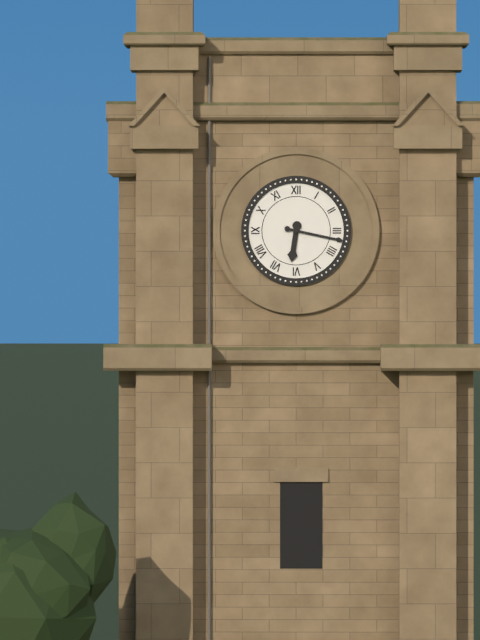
6:17
